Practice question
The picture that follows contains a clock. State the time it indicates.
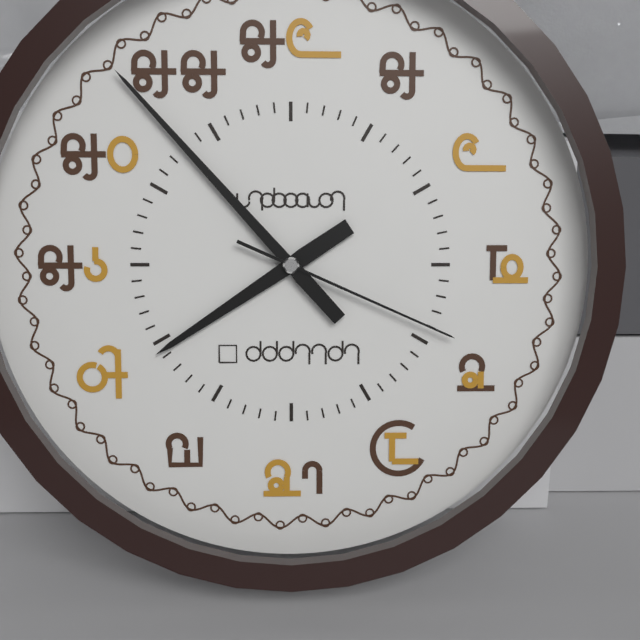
7:53:19
